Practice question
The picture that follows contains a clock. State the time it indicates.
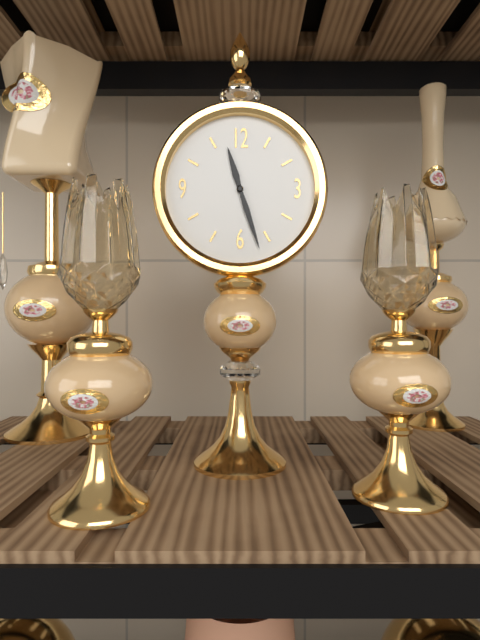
11:27
